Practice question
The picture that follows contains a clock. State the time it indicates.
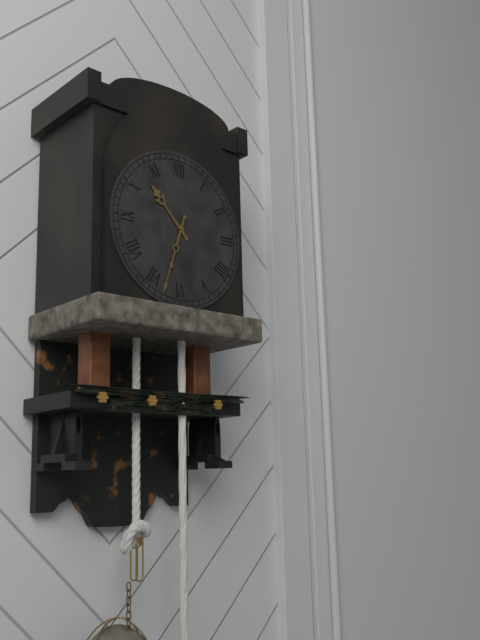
10:33
